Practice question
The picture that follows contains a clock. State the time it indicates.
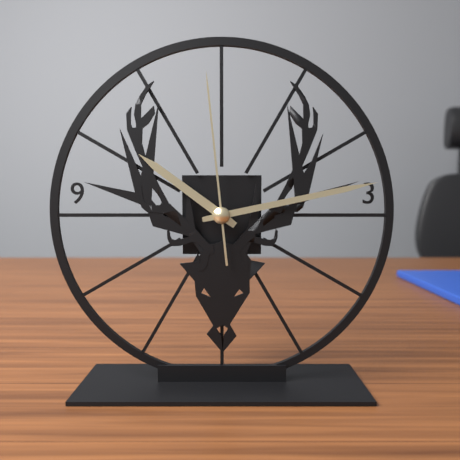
10:13:59
